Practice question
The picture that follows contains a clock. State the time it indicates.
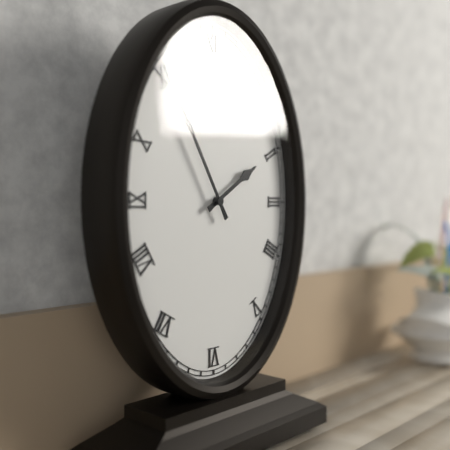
1:55
